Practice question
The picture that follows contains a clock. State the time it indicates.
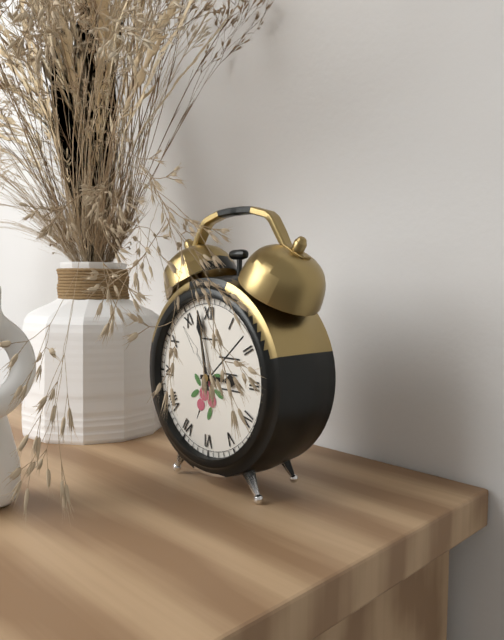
2:58
